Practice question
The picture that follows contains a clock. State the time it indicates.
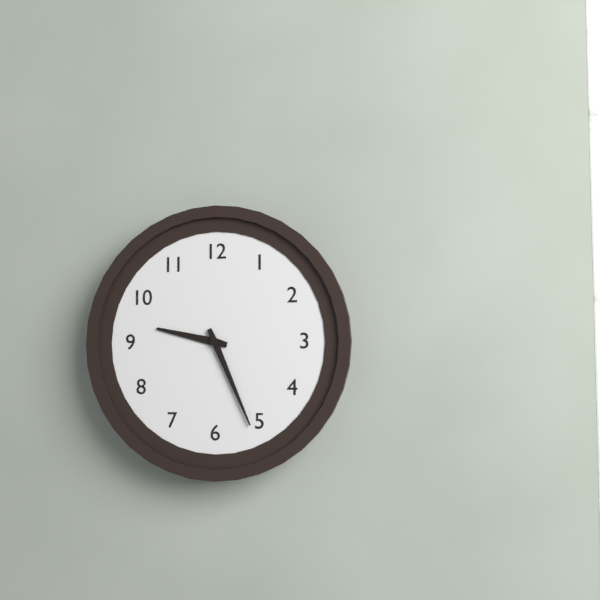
9:26
